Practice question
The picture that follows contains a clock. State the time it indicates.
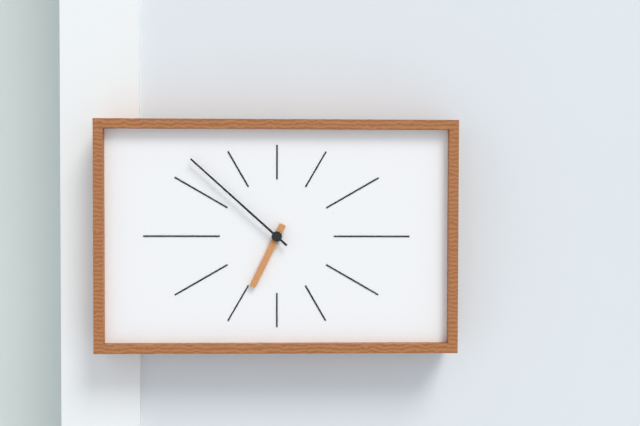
6:52
